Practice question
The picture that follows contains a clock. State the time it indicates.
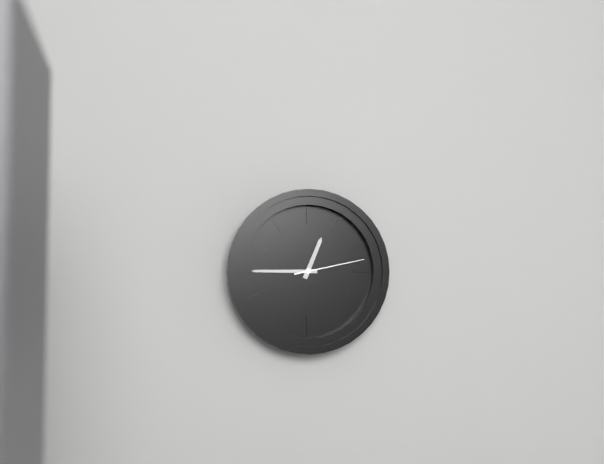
12:45:13
